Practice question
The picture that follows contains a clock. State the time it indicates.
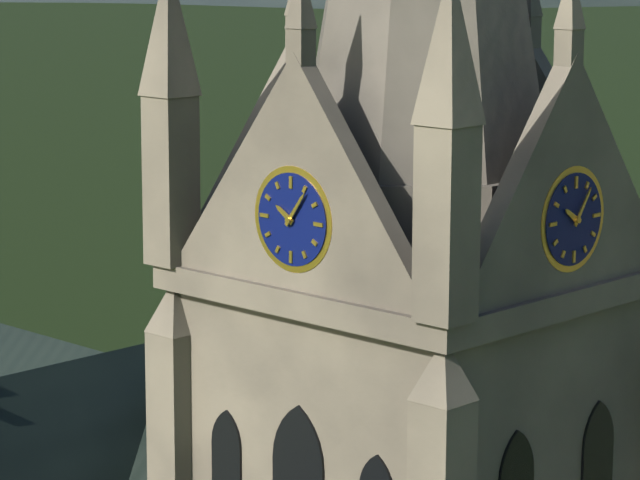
10:06
